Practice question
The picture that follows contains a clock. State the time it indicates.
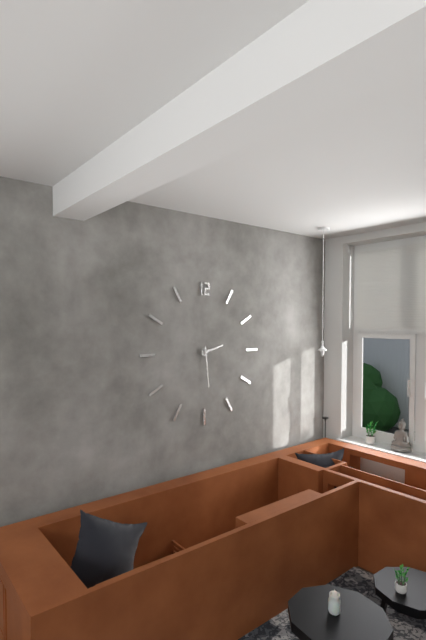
2:29
